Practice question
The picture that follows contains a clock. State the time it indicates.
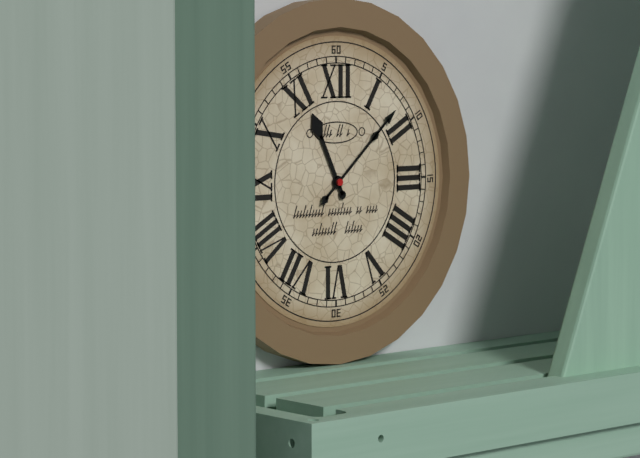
11:08
